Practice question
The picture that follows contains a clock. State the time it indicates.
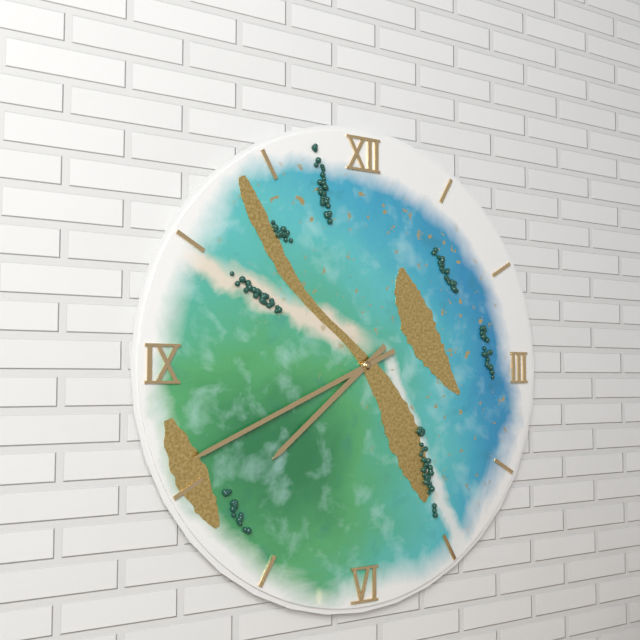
7:41
